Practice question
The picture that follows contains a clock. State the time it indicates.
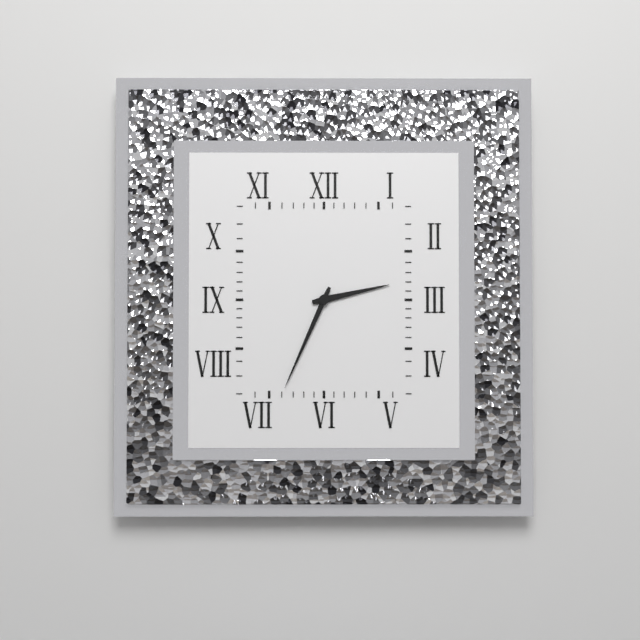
2:34
